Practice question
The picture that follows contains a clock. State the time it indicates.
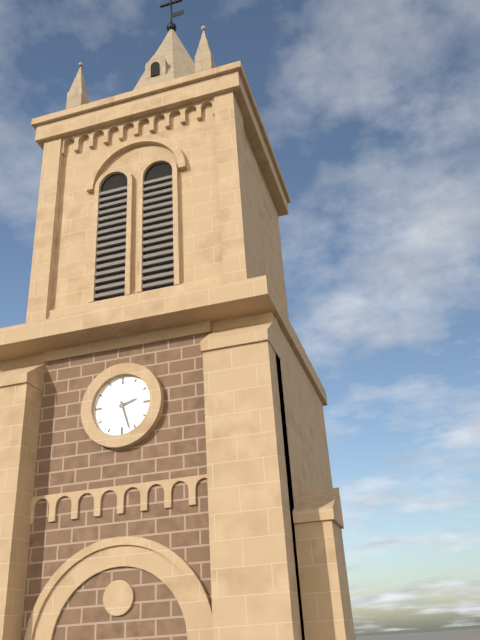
2:27
